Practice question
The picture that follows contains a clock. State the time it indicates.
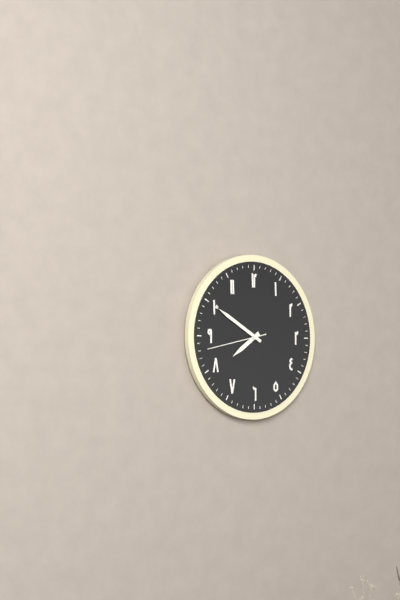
7:50:43
